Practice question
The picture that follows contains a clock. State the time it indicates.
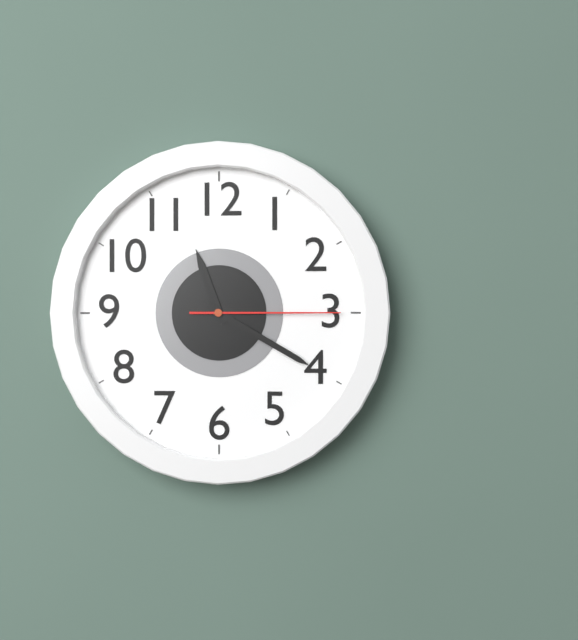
11:20:15
